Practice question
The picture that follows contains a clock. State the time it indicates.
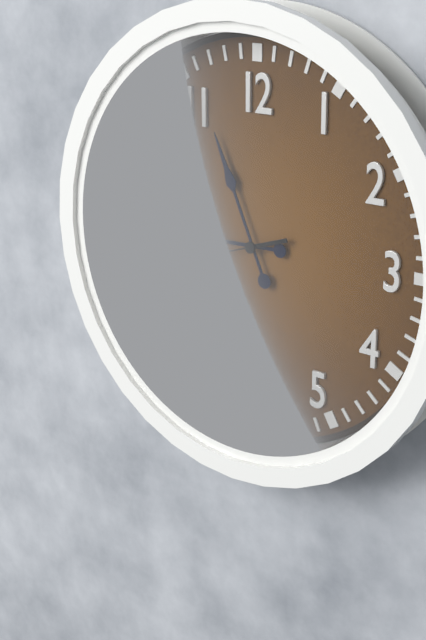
8:56:42
